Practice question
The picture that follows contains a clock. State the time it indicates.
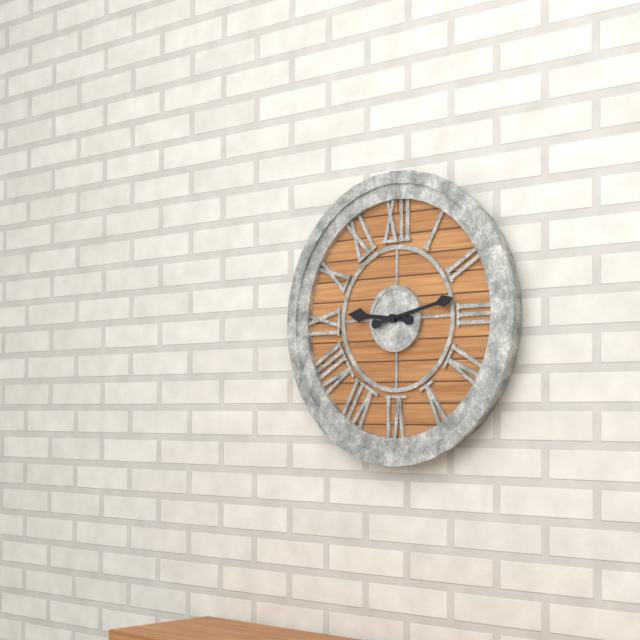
9:13
